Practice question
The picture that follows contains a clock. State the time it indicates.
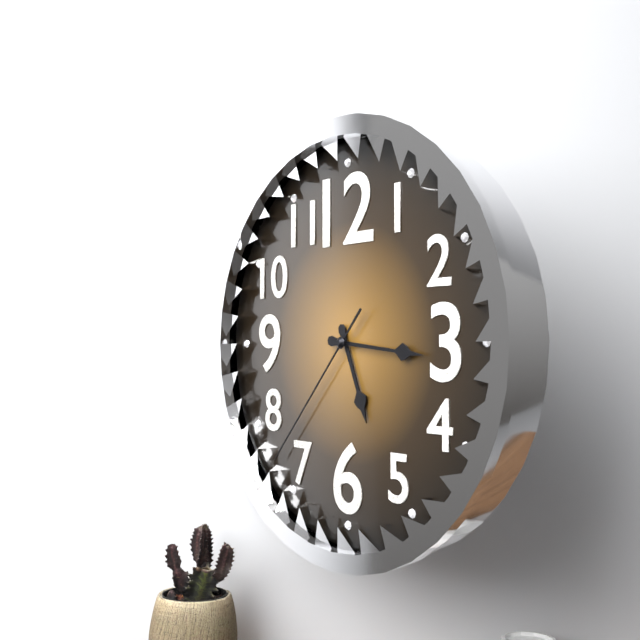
5:16:37
